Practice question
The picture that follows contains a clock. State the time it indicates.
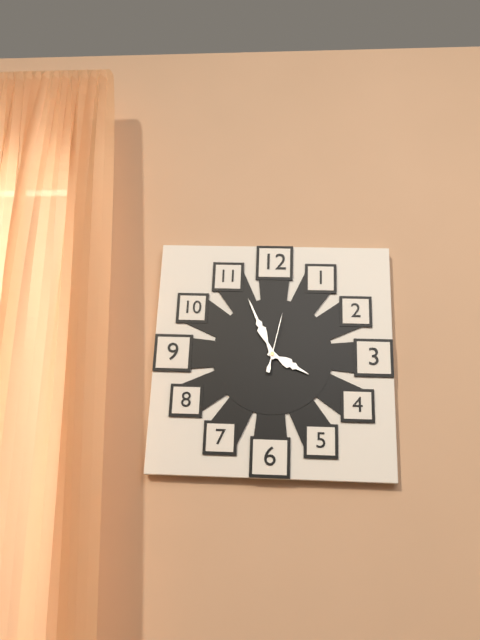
3:56:02
